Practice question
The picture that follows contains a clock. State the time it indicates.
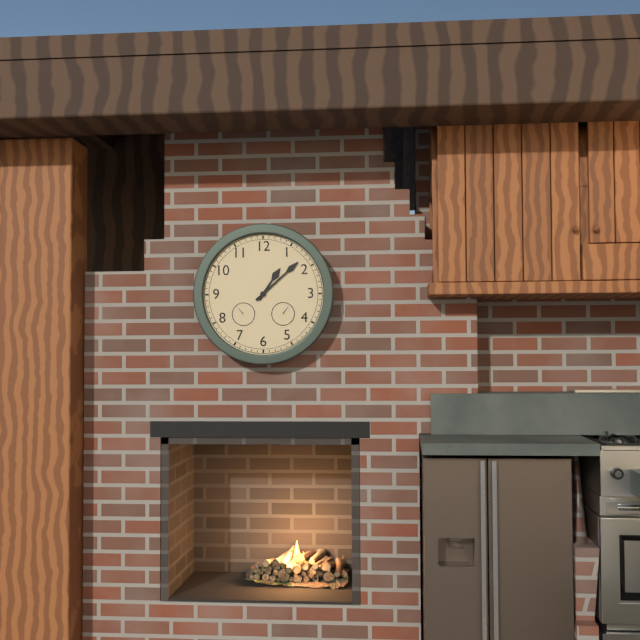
1:08
